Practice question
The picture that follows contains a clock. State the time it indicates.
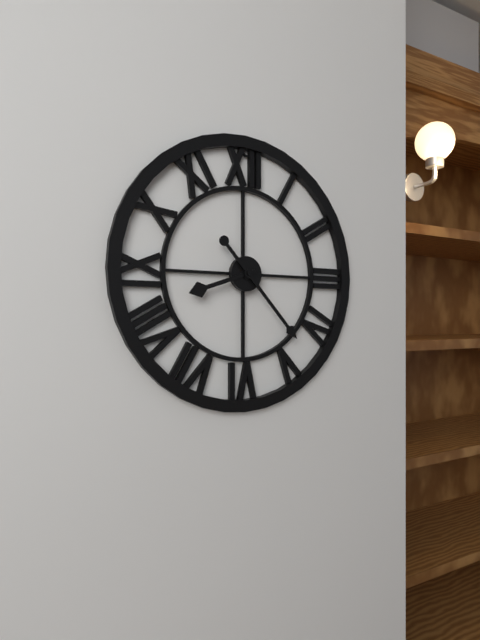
8:23
